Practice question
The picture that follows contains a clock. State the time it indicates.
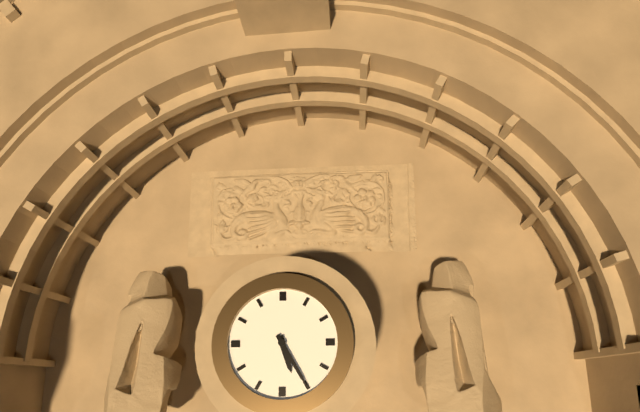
5:25
